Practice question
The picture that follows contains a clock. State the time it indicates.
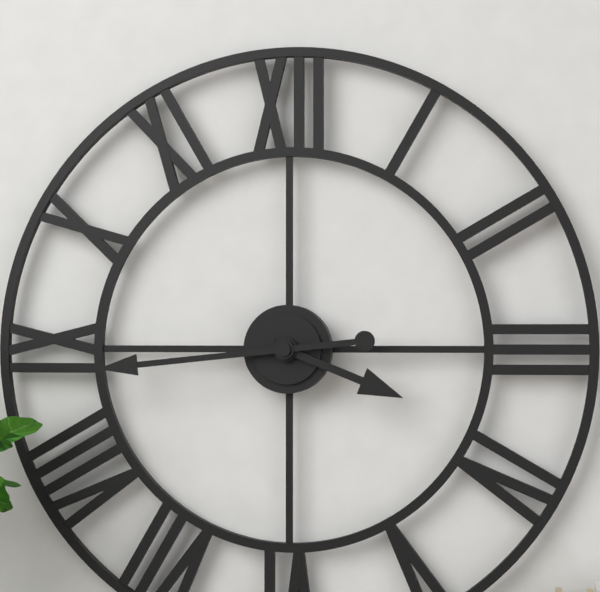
3:44
